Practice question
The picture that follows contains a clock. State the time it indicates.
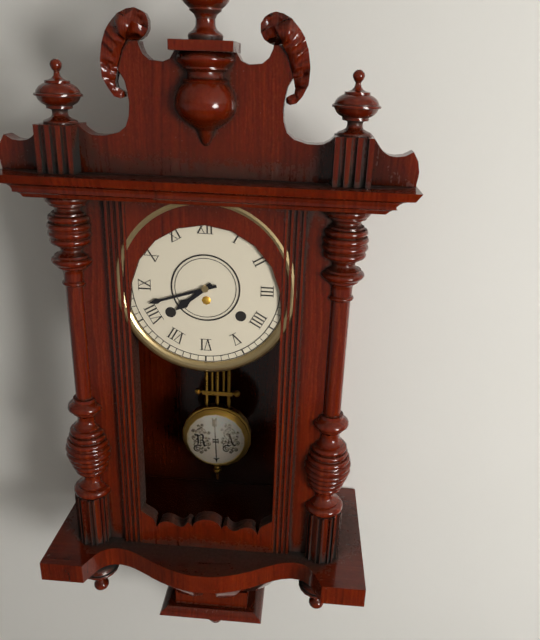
7:42
